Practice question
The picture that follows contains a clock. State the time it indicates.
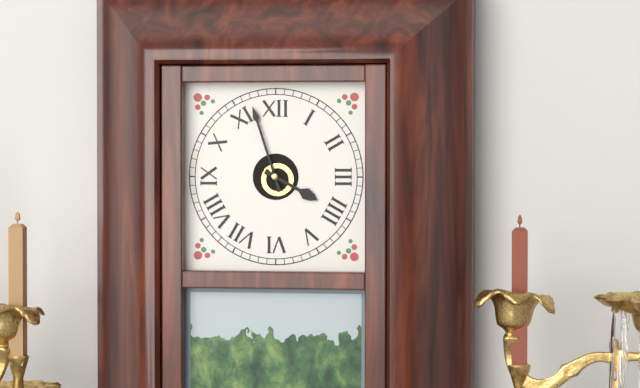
3:57
